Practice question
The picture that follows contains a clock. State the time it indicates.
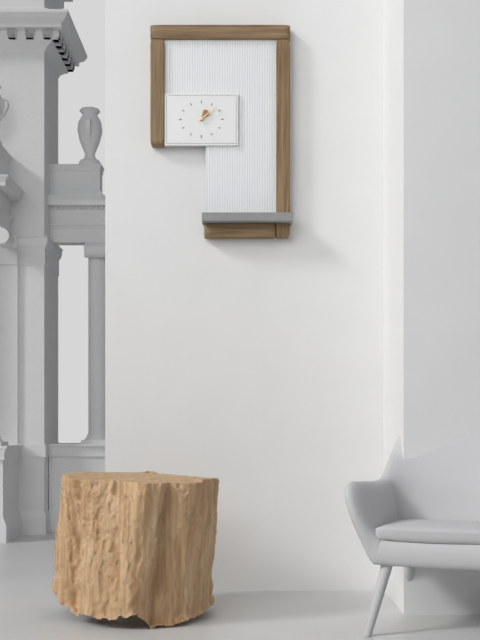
1:09
